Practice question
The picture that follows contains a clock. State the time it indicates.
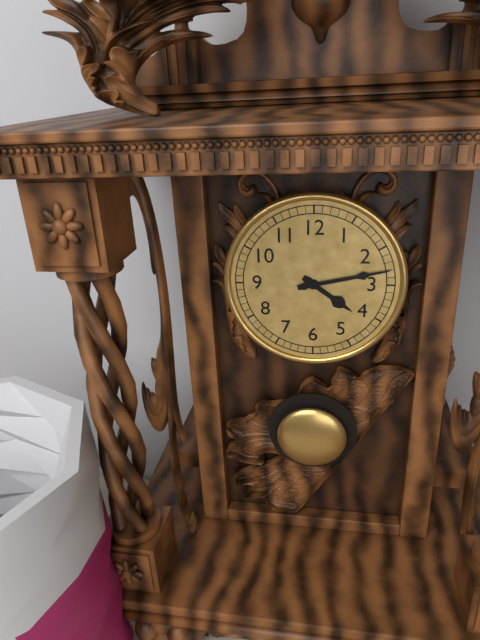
4:13
